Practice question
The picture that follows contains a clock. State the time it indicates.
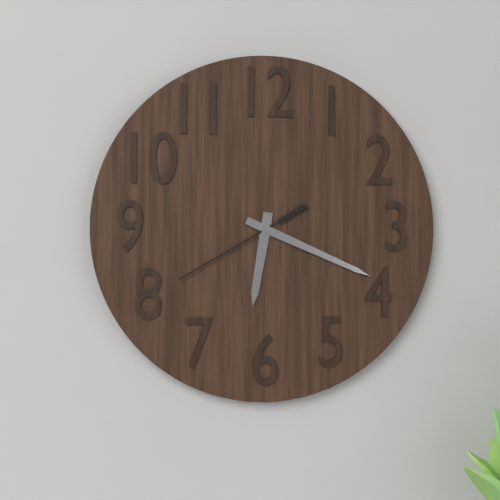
6:19:40
